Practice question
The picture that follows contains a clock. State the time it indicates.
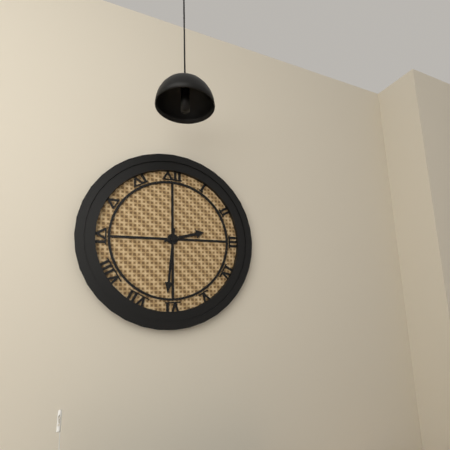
2:31
